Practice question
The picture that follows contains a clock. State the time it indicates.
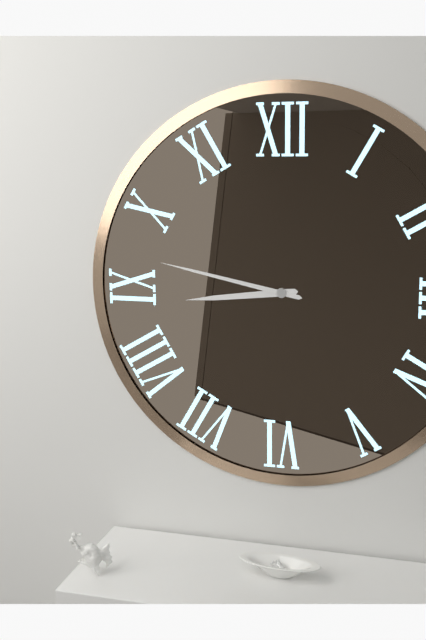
8:47
